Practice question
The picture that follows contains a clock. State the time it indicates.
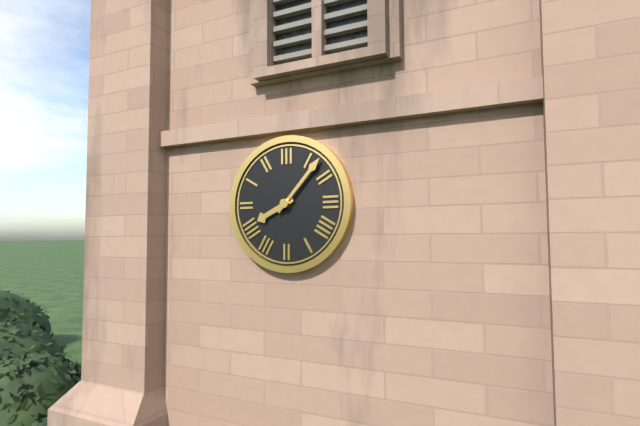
8:07
